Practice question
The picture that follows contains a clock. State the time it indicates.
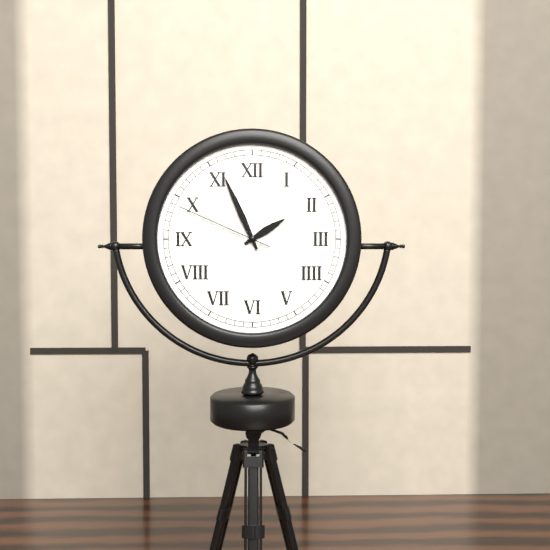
1:56:49
